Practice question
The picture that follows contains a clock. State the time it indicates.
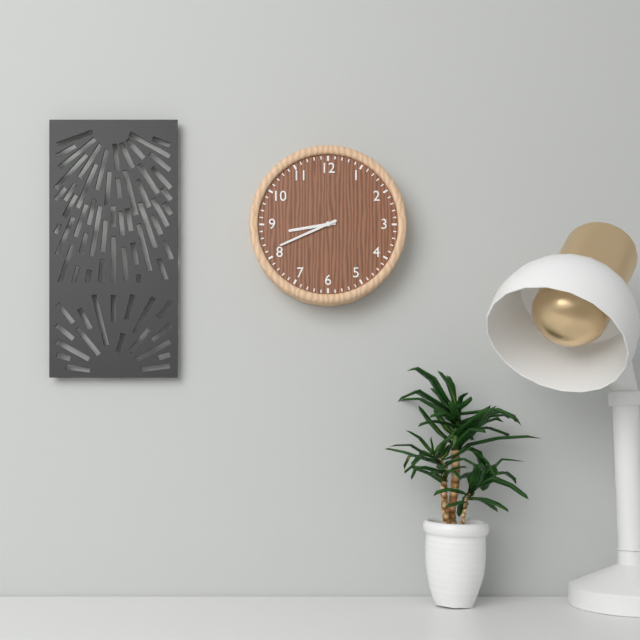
8:41
